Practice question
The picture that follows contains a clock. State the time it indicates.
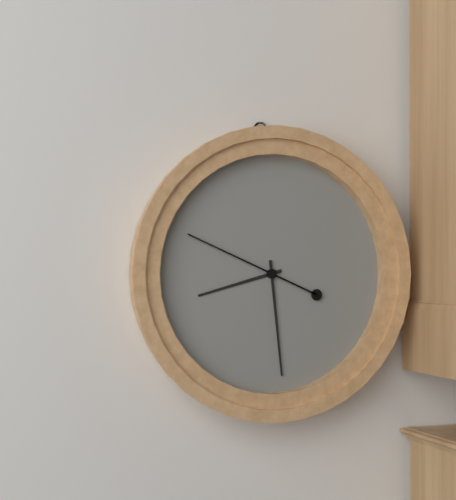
8:29:49
